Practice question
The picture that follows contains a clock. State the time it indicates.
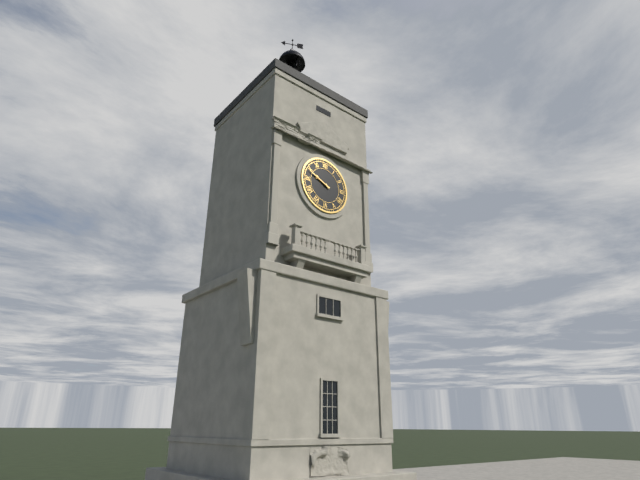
9:49
